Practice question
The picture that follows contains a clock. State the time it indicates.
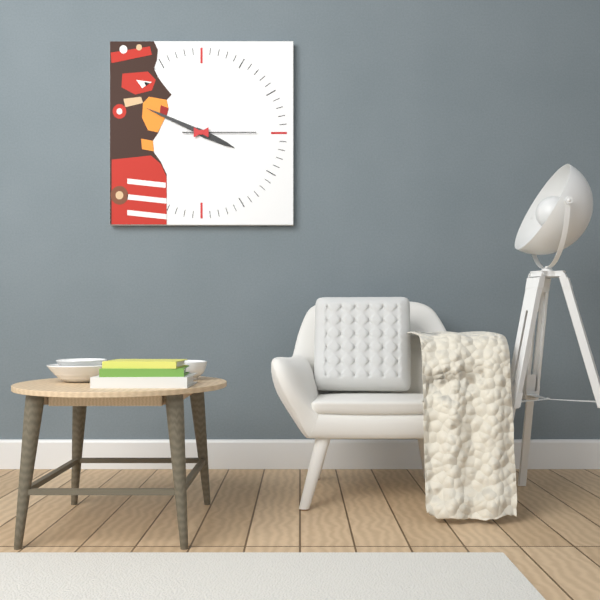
3:49:15
